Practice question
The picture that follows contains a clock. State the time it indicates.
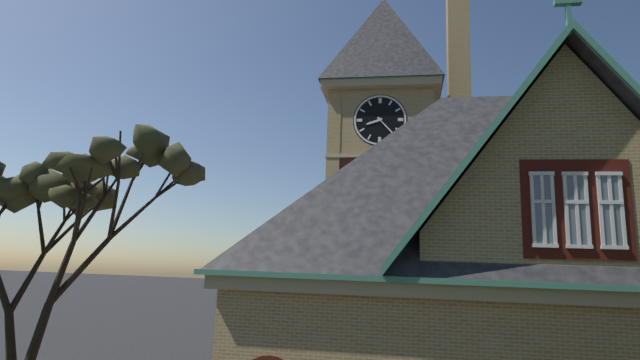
8:23
